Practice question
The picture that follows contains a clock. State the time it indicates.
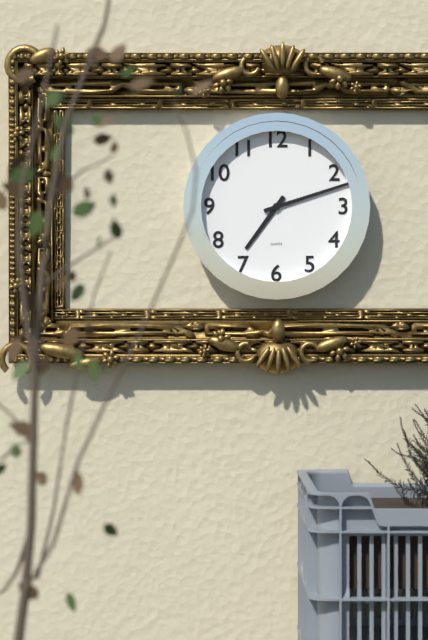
7:12
